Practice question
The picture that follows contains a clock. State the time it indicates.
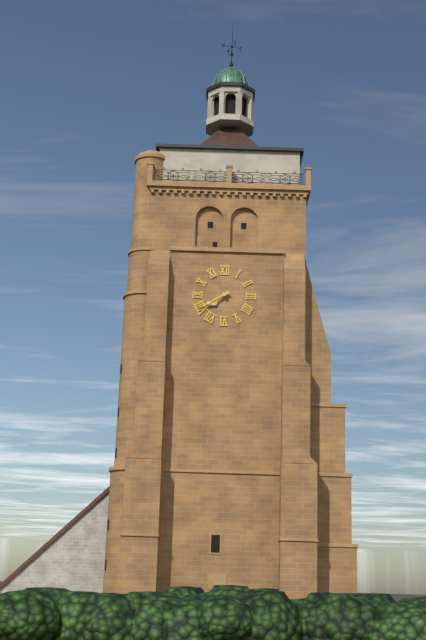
7:40
